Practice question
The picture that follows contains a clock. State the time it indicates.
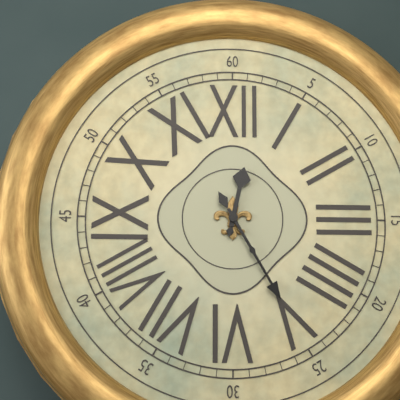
12:25
